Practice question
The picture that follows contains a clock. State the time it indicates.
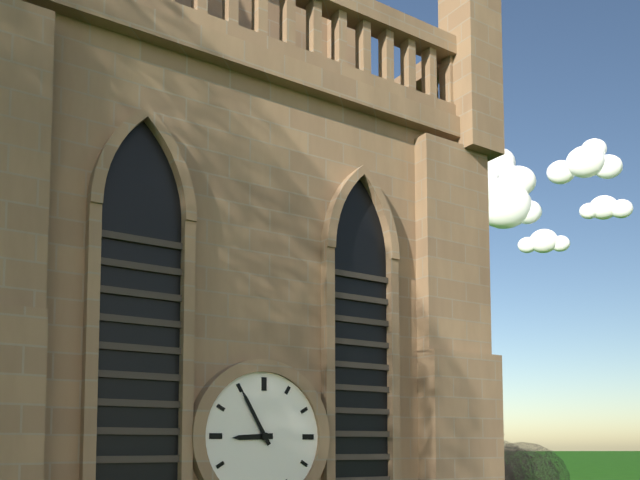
8:55
